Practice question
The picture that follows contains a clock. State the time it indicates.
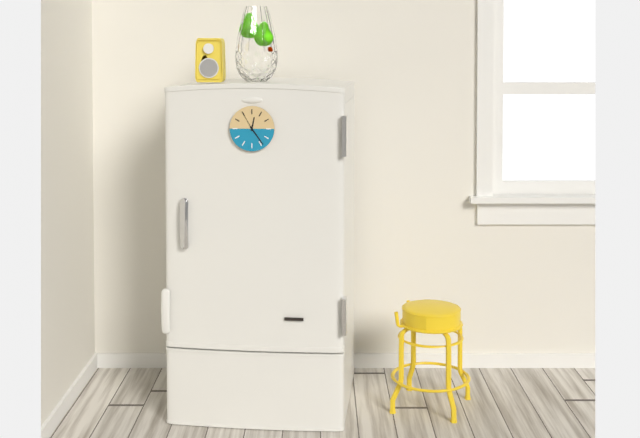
12:24
